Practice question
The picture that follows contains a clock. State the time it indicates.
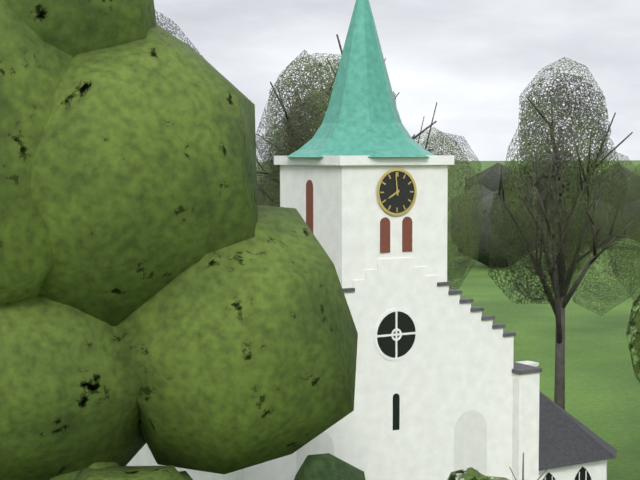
7:59
